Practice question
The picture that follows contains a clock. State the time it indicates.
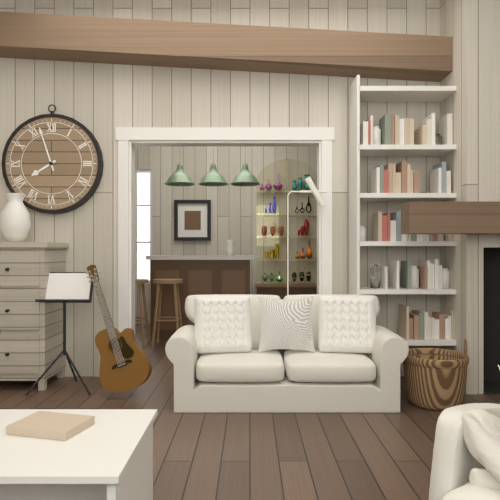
7:57
